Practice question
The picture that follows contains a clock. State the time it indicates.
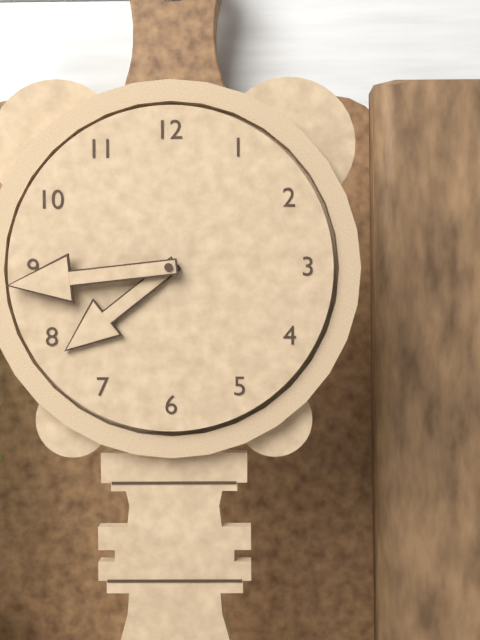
7:44
